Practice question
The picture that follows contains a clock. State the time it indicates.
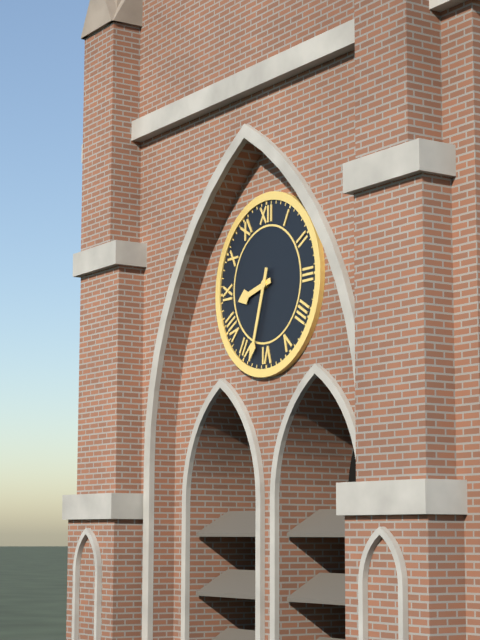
8:33
